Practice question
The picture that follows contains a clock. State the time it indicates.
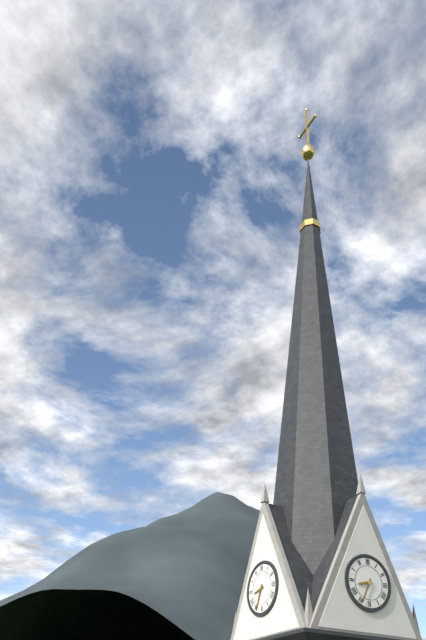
8:34
